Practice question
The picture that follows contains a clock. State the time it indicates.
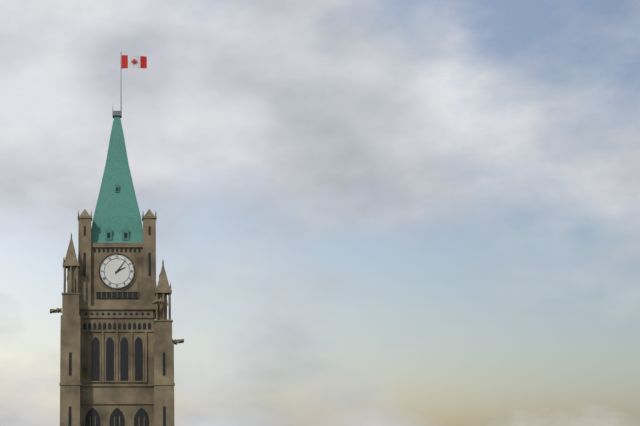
2:06
